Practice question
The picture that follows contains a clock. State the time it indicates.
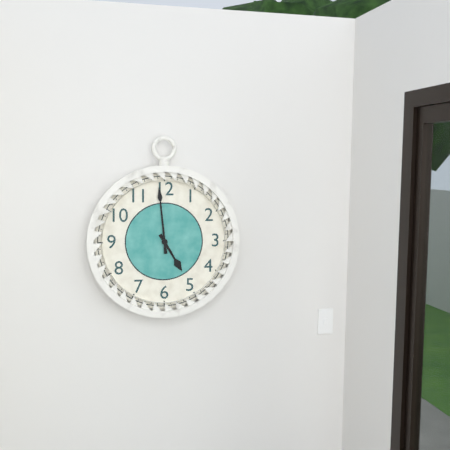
4:59
